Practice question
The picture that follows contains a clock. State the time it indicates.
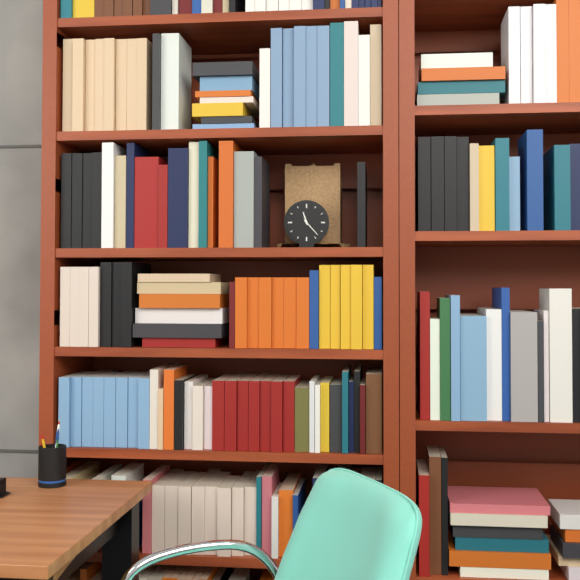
11:23
